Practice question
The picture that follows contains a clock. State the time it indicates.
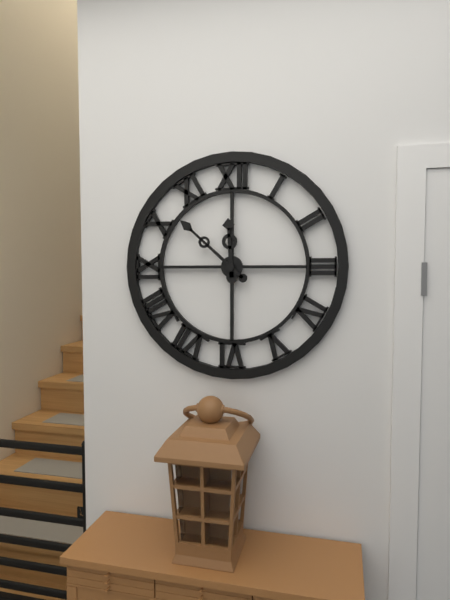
11:52
